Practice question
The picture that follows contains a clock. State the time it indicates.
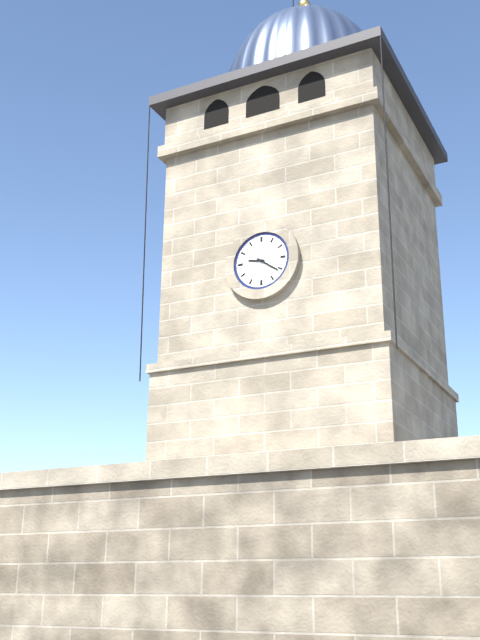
9:21
